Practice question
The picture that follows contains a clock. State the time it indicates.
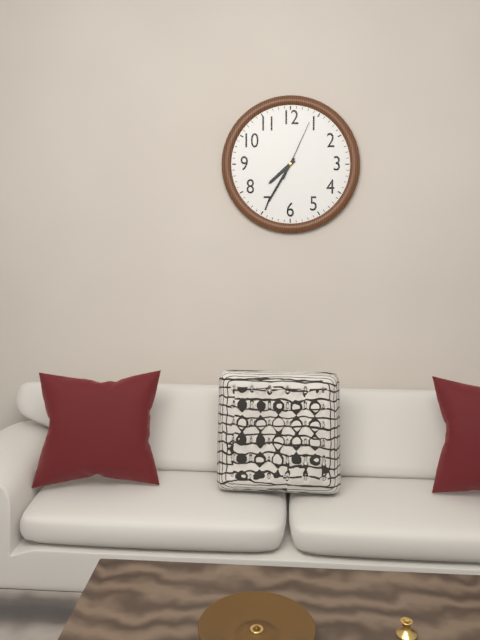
7:35:04
